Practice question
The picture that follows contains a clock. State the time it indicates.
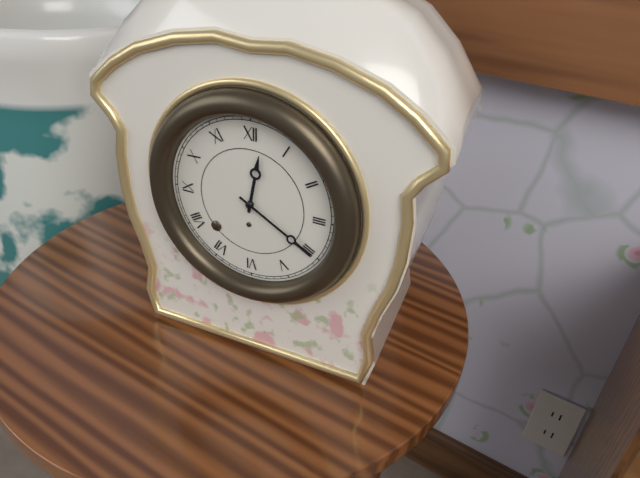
12:20
